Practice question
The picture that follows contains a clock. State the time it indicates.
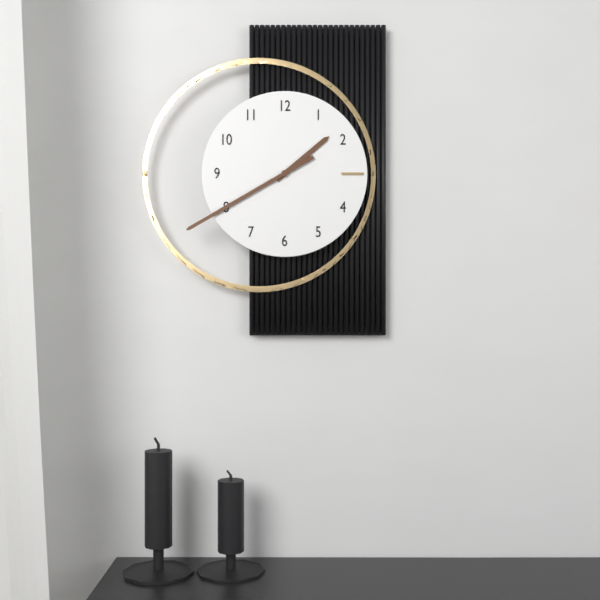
1:40
